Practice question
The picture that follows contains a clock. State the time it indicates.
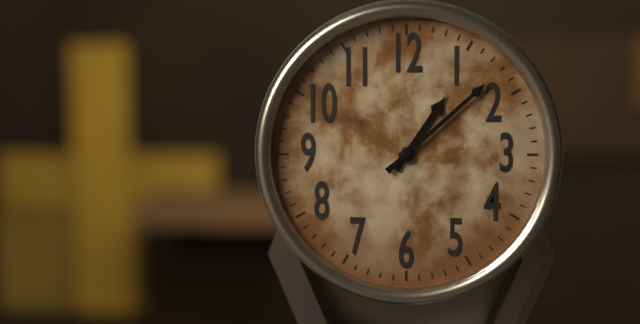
1:08
